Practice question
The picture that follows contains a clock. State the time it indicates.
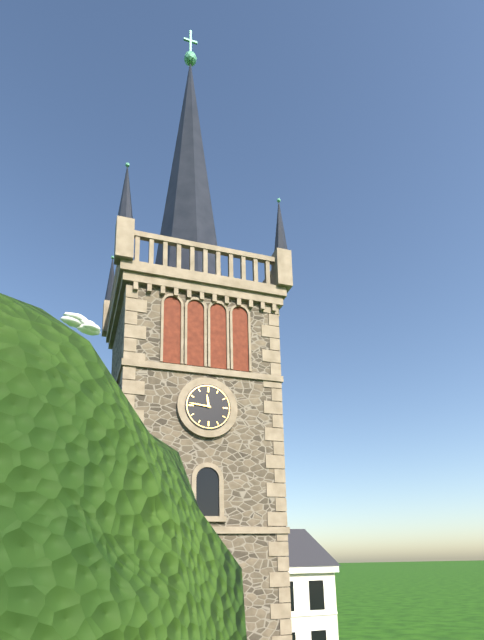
11:46
